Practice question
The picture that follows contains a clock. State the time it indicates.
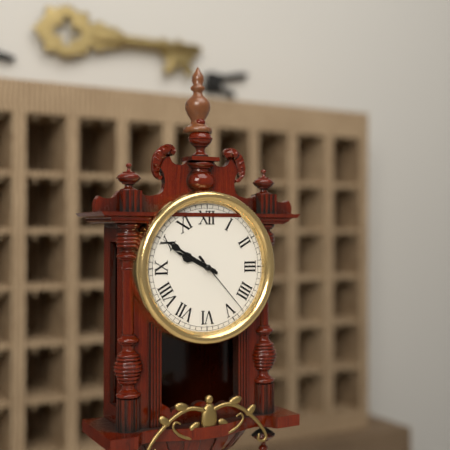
9:50:23
